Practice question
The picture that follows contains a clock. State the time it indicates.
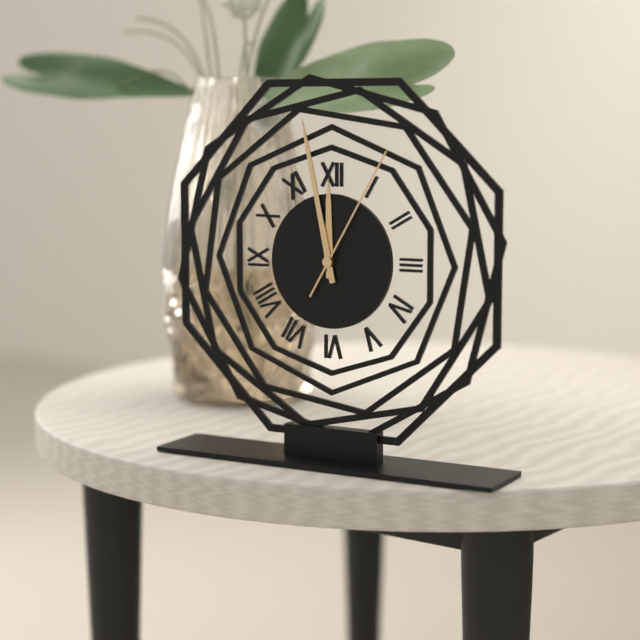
11:58:05
